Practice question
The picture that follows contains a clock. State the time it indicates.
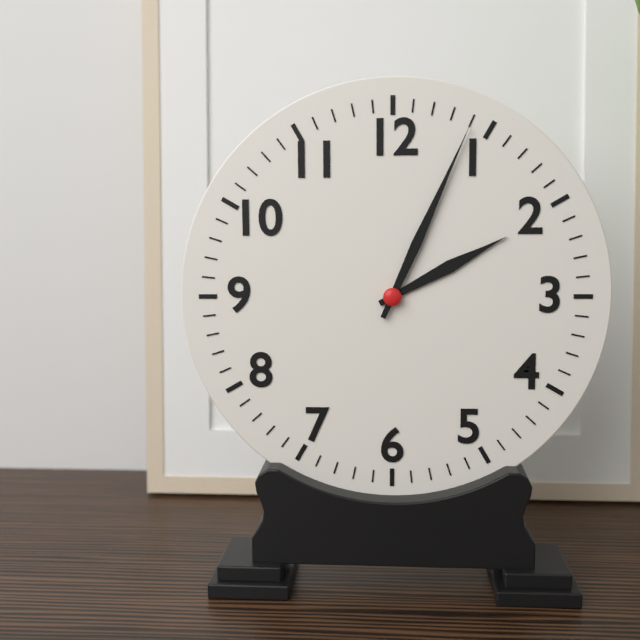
2:04
